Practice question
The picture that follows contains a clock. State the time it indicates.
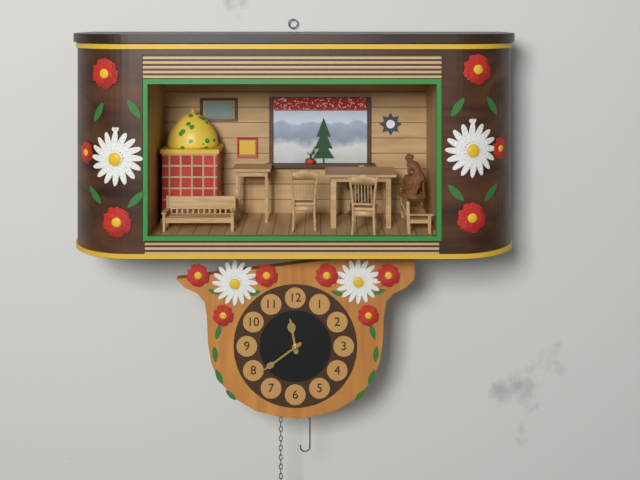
11:39
